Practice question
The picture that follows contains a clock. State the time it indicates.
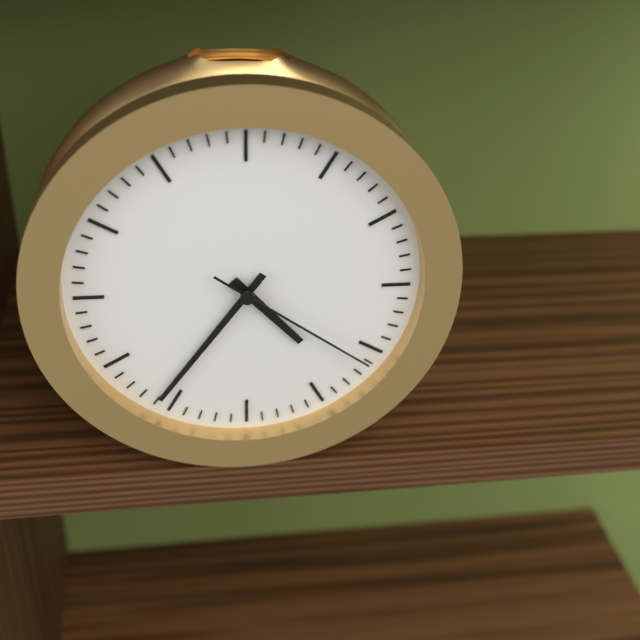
4:36:21
